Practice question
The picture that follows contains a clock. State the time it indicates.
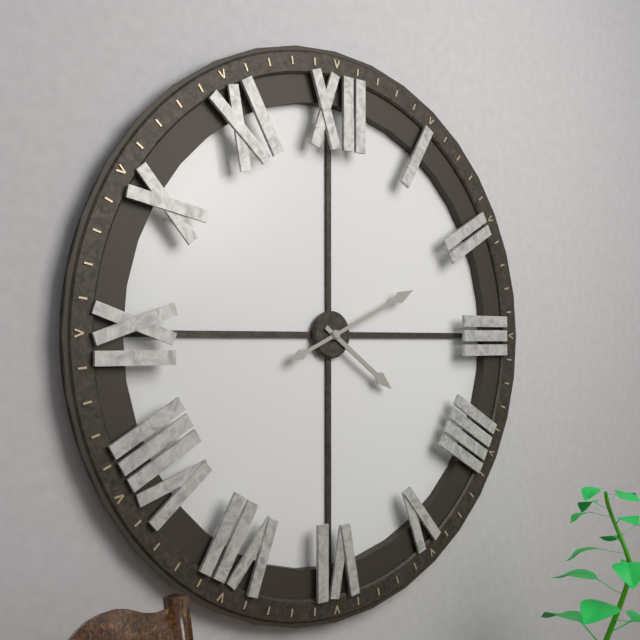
4:11
